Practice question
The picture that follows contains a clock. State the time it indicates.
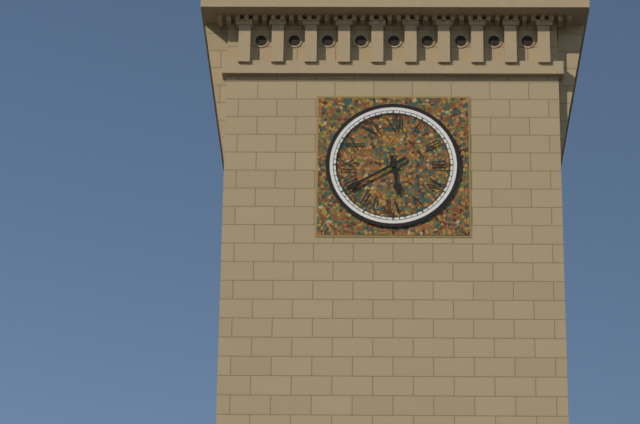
5:40
